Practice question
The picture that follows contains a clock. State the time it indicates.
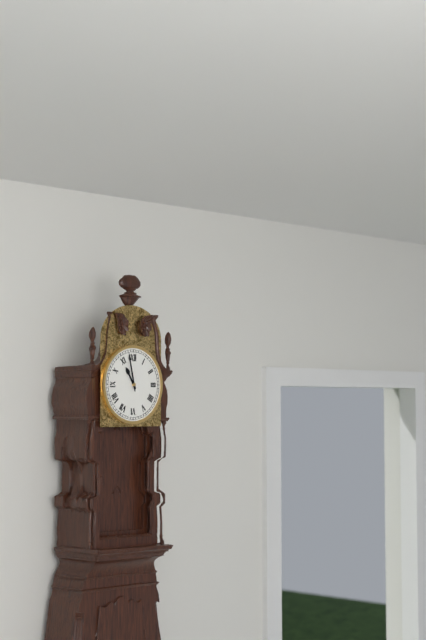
10:58
